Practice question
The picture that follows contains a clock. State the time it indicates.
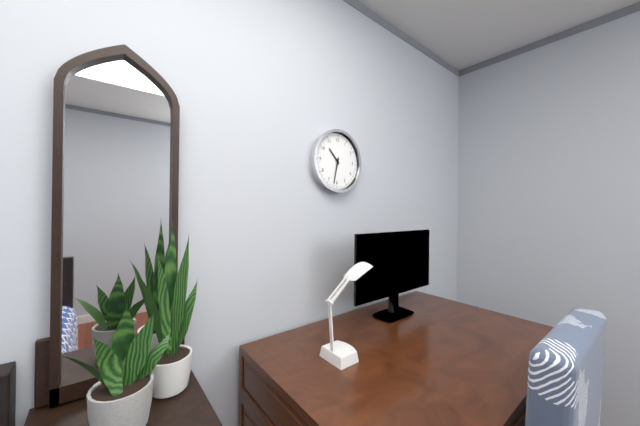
10:32
